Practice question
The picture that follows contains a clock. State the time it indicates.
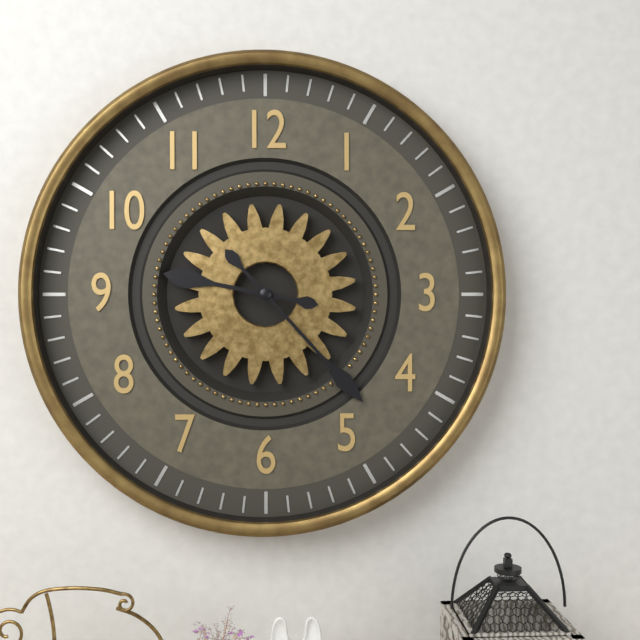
9:23
